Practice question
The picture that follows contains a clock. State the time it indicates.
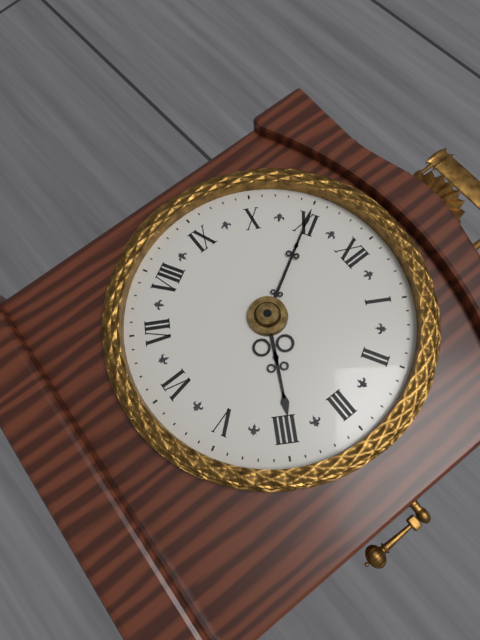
3:55
